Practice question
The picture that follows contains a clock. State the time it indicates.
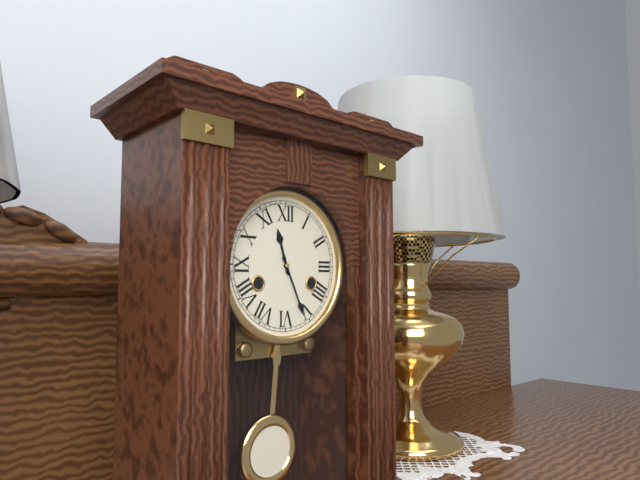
11:26
